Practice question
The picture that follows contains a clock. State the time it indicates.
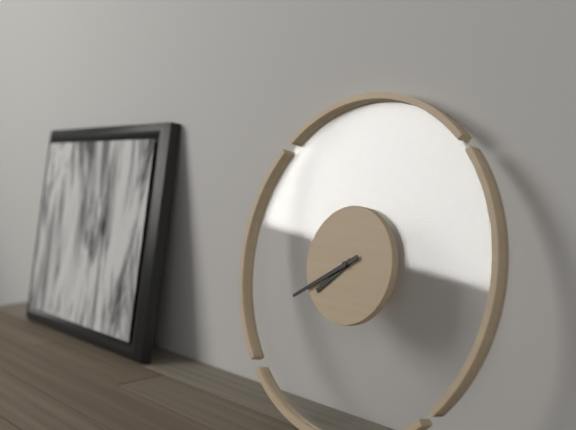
7:40
